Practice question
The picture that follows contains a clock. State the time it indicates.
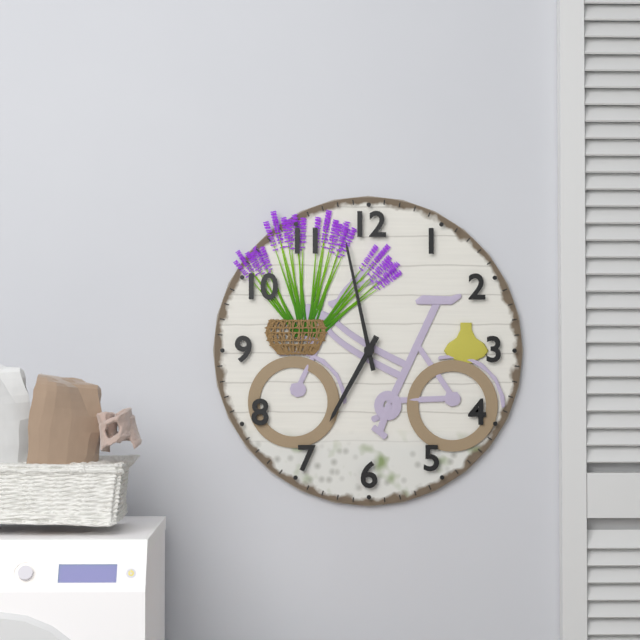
6:58
